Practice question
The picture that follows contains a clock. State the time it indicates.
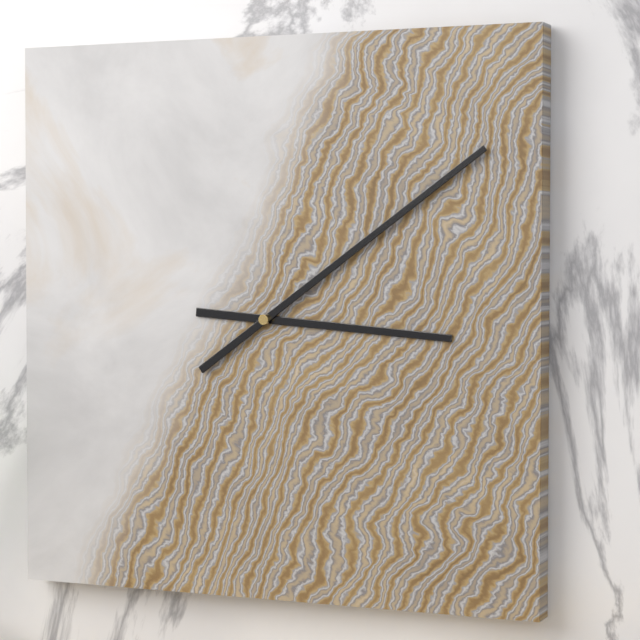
3:09
